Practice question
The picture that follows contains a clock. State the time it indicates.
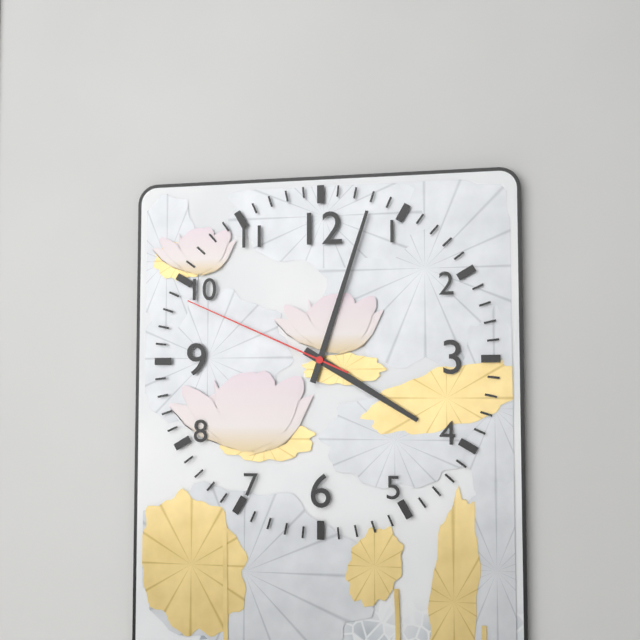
4:03:49
